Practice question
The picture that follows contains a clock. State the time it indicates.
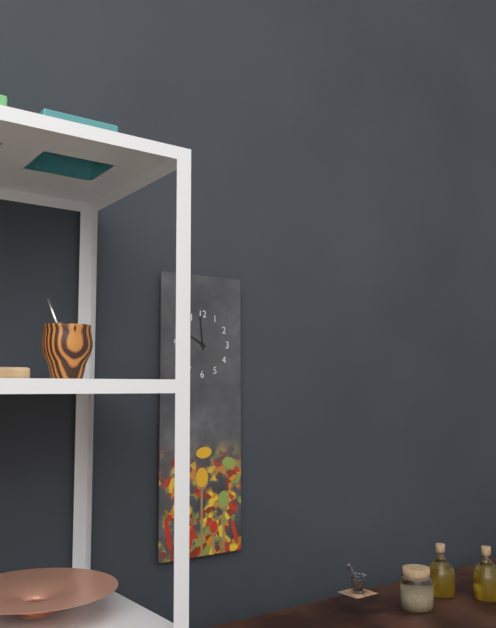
9:59
